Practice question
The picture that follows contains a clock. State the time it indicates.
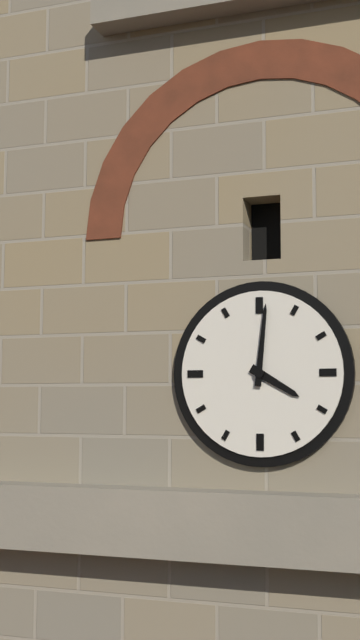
4:01
